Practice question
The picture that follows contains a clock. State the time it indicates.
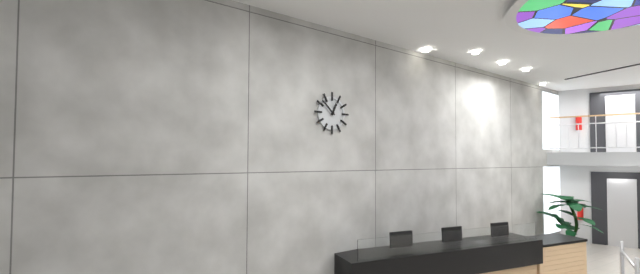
12:52
